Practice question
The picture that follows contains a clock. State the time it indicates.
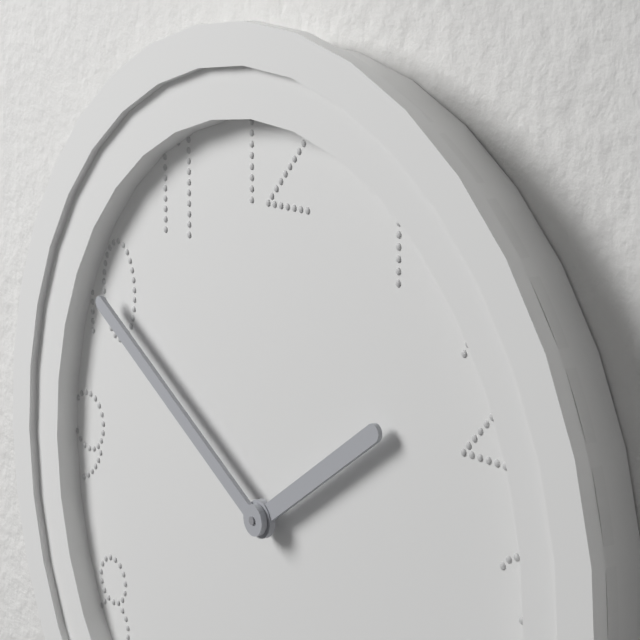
1:50
